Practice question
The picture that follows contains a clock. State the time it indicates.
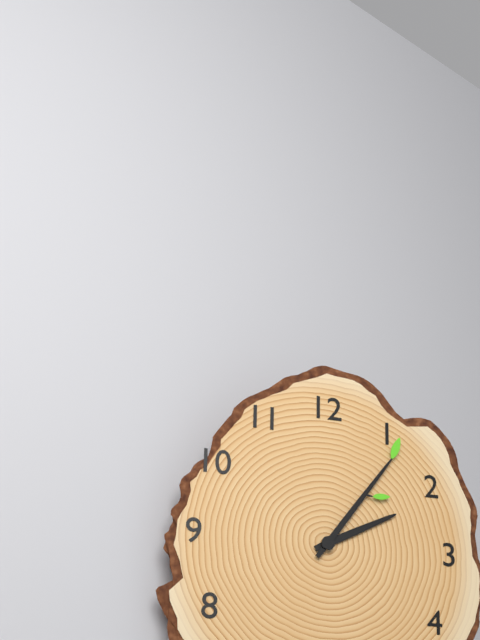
2:06
